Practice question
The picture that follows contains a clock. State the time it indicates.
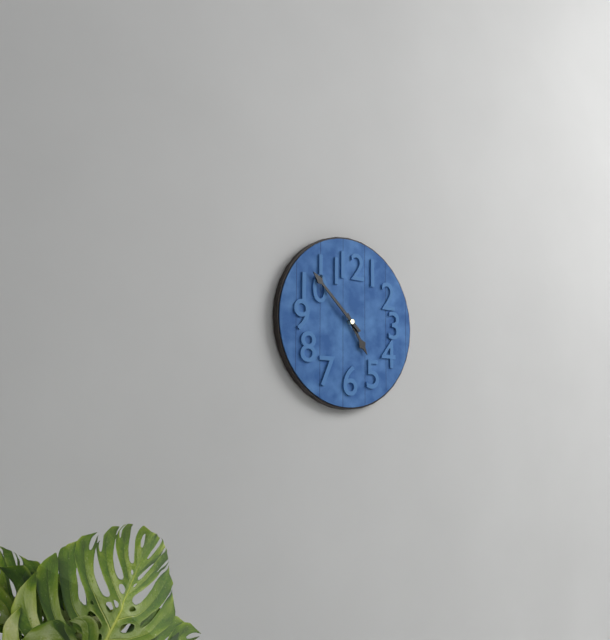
4:52
